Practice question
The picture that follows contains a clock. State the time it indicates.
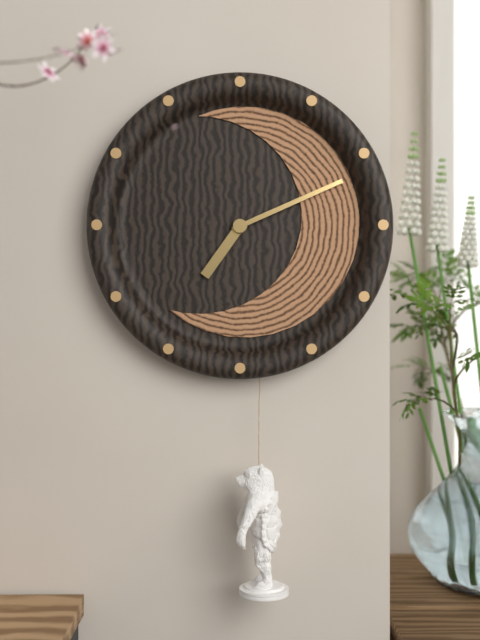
7:11
